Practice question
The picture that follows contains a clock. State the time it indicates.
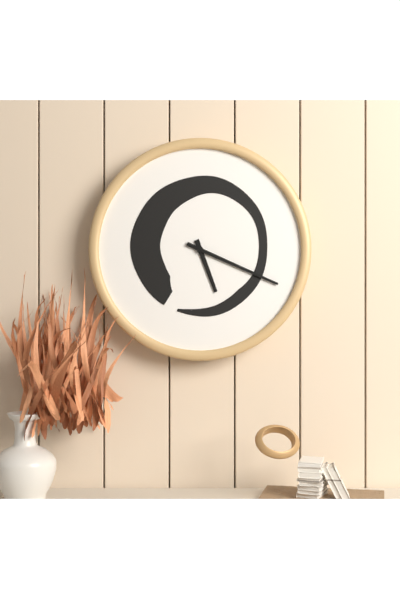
5:19
